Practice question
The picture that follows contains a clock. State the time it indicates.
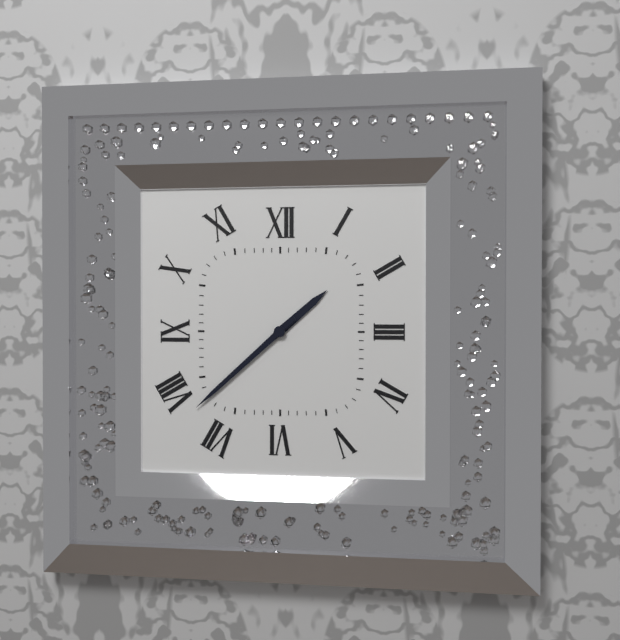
1:38
